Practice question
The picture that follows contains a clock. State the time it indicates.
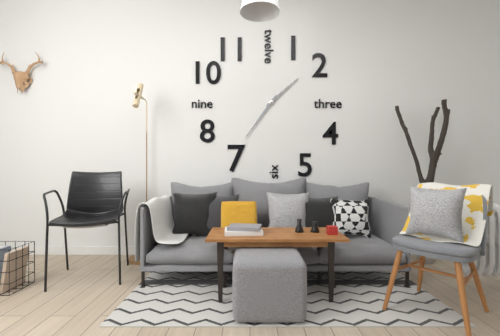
1:36
